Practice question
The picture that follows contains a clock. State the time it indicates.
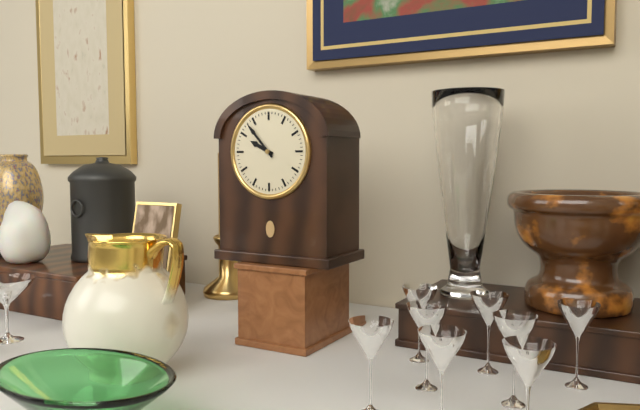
9:53
